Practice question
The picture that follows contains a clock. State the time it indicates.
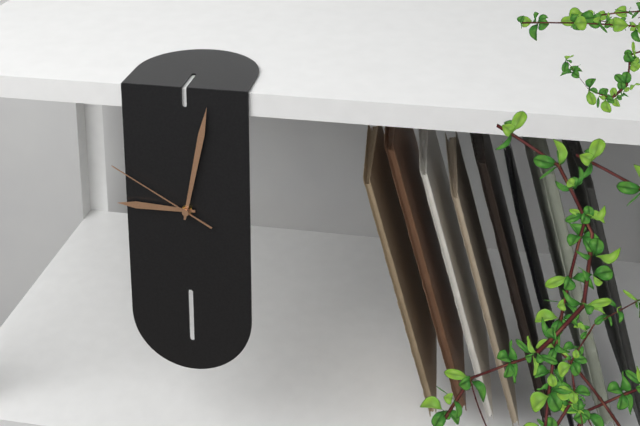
9:02:50
